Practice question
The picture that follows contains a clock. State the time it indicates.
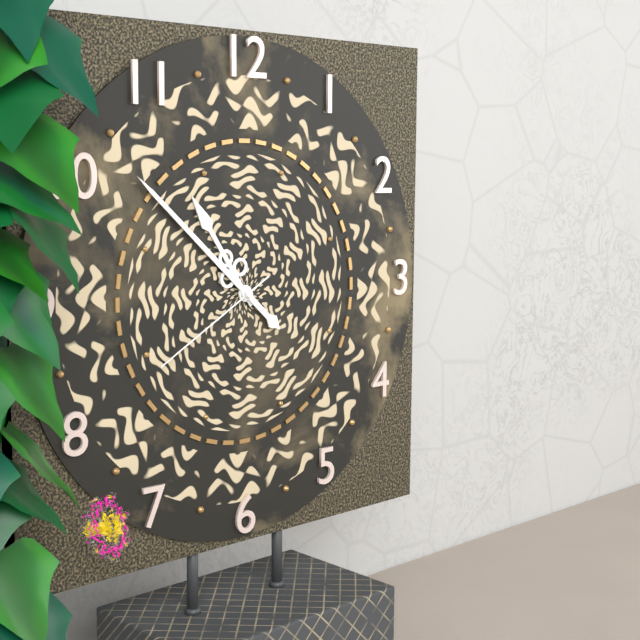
10:52:40
